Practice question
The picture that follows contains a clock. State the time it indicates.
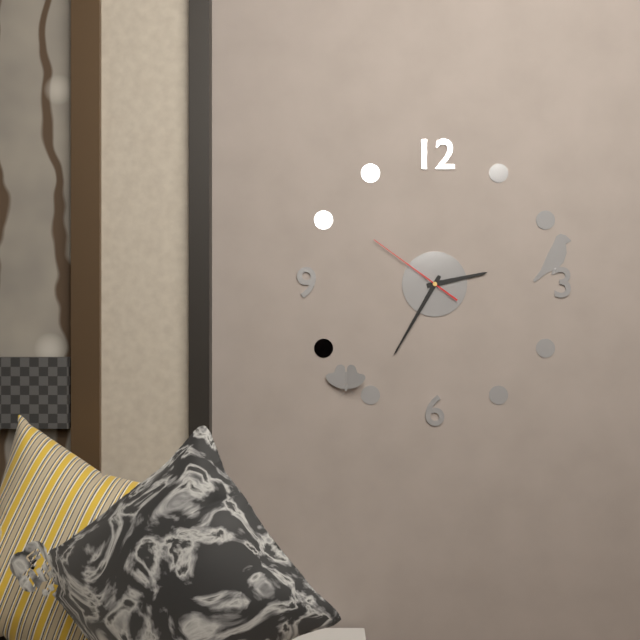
2:35:51
